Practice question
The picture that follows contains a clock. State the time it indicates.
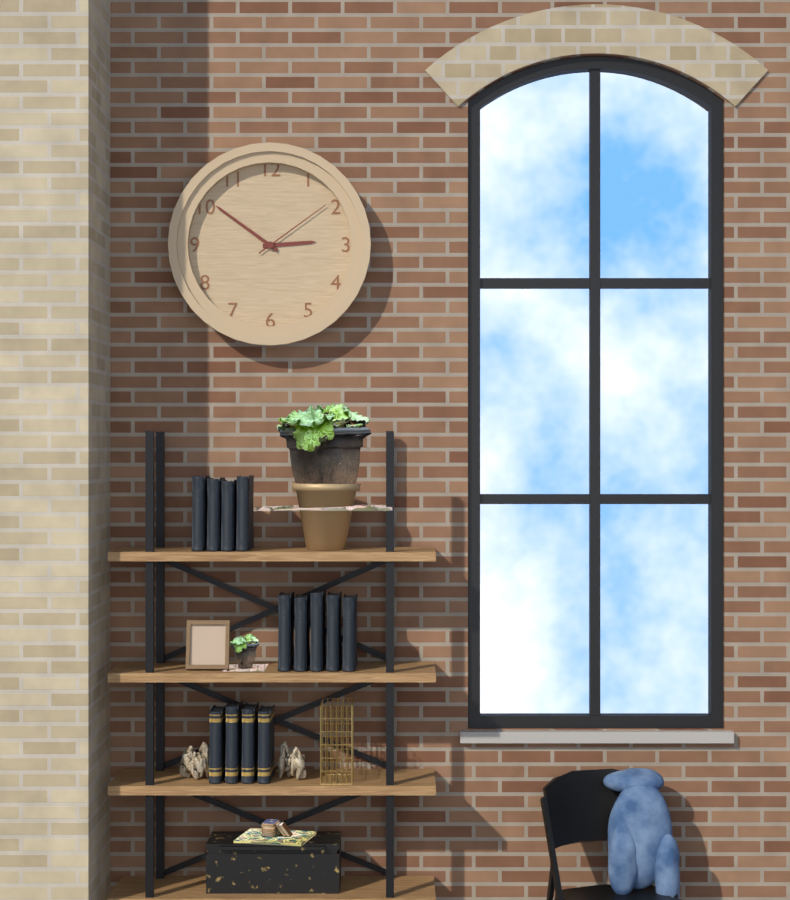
2:51:09
